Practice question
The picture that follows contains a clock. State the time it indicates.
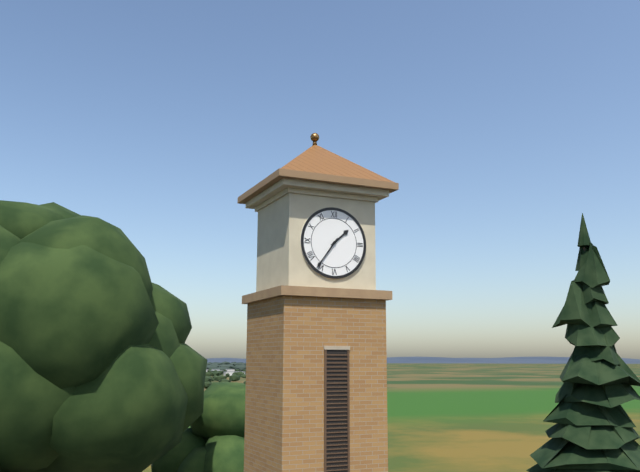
1:36
